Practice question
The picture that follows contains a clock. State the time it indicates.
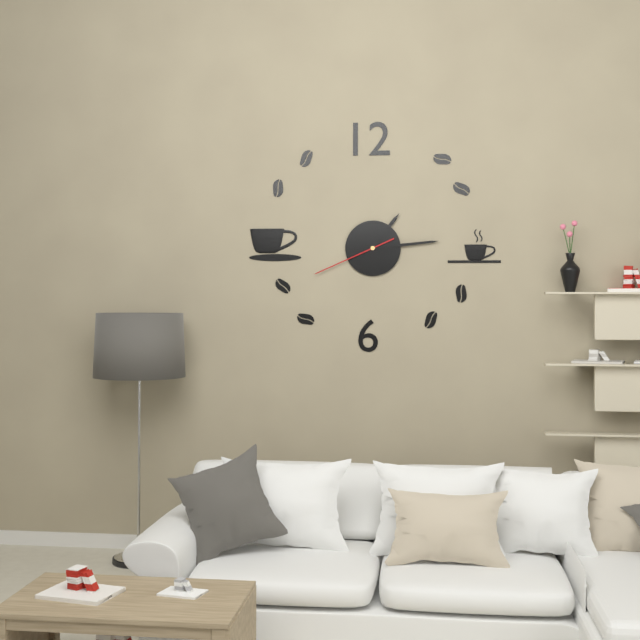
1:14:41
